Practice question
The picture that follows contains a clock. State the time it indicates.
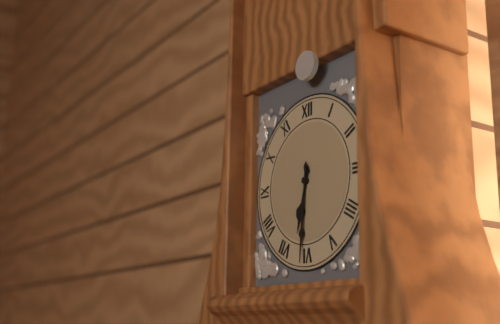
6:31
